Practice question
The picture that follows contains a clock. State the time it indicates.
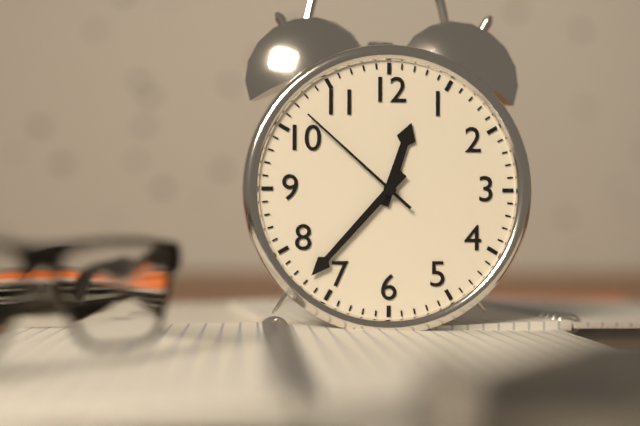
12:37:52
